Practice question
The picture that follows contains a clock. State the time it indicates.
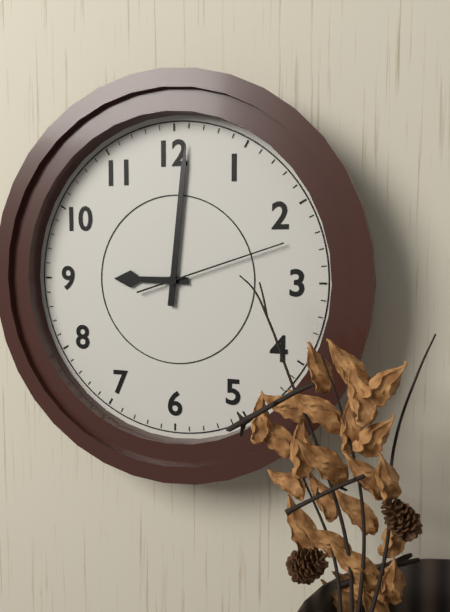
9:01:12
